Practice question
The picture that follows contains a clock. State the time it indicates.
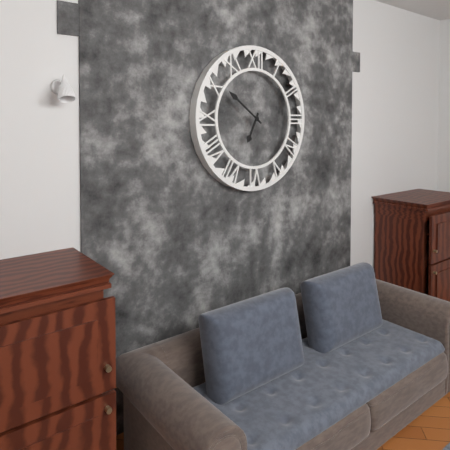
6:51
